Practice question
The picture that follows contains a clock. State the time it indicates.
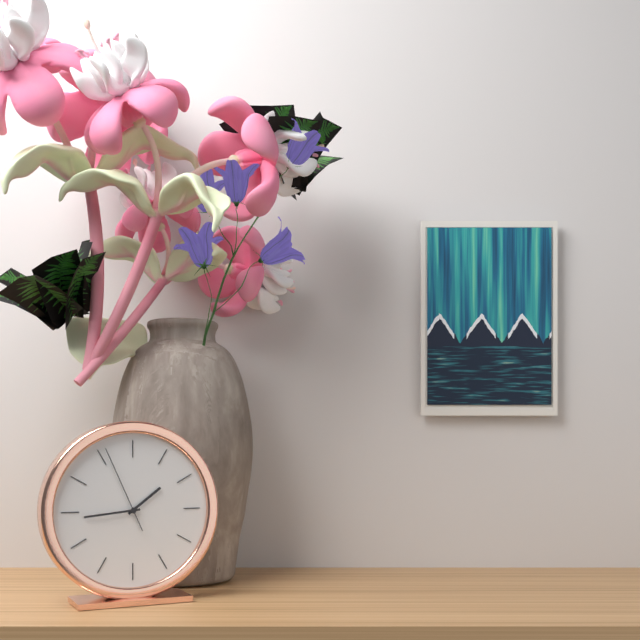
1:44:56
